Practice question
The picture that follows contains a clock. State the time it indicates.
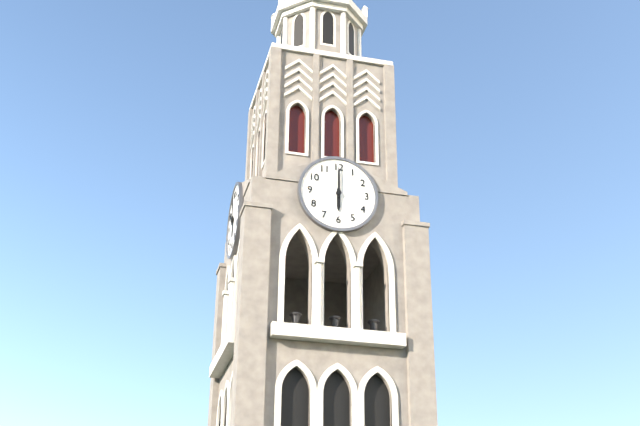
6:00
